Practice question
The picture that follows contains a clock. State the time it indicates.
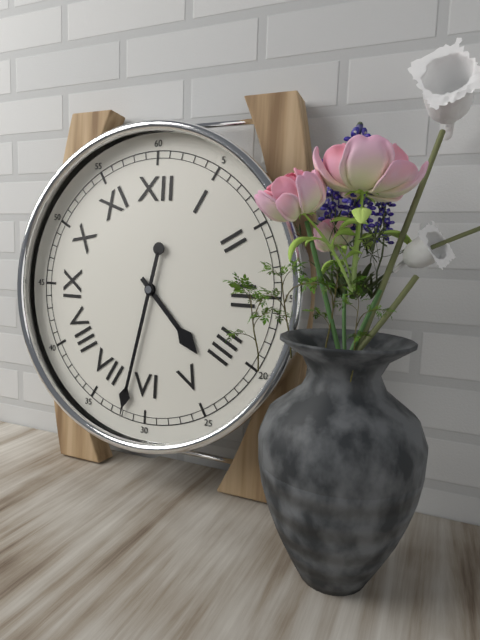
4:32
